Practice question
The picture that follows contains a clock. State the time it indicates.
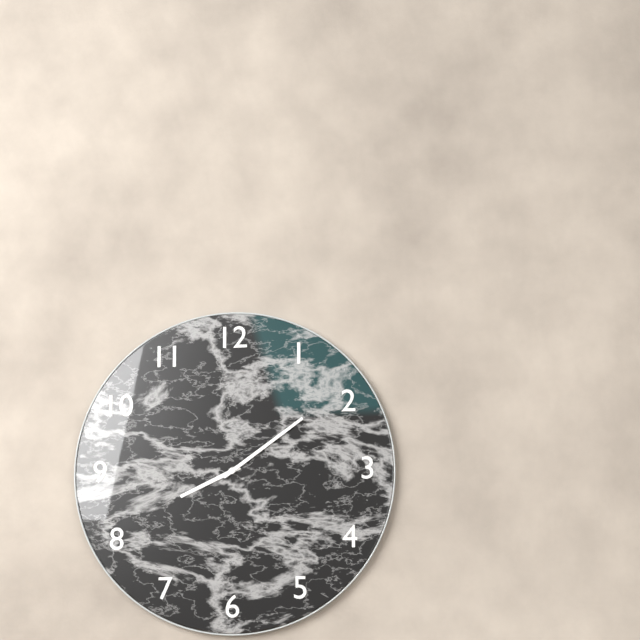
8:09
